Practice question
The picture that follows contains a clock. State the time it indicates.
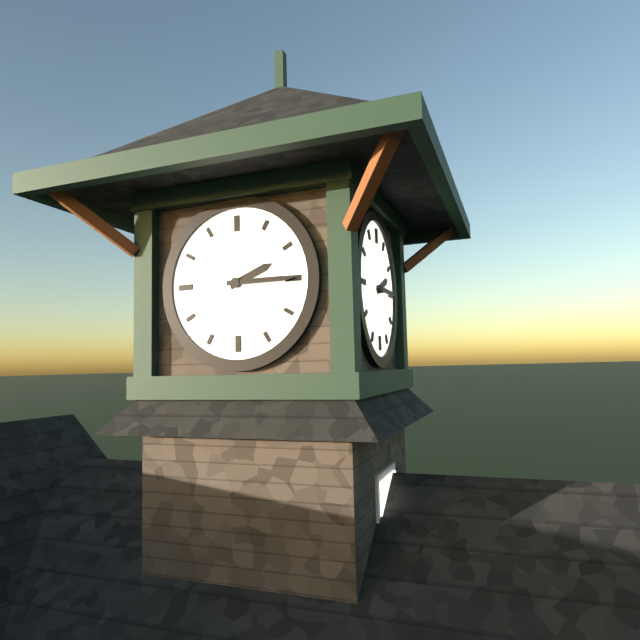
2:15
